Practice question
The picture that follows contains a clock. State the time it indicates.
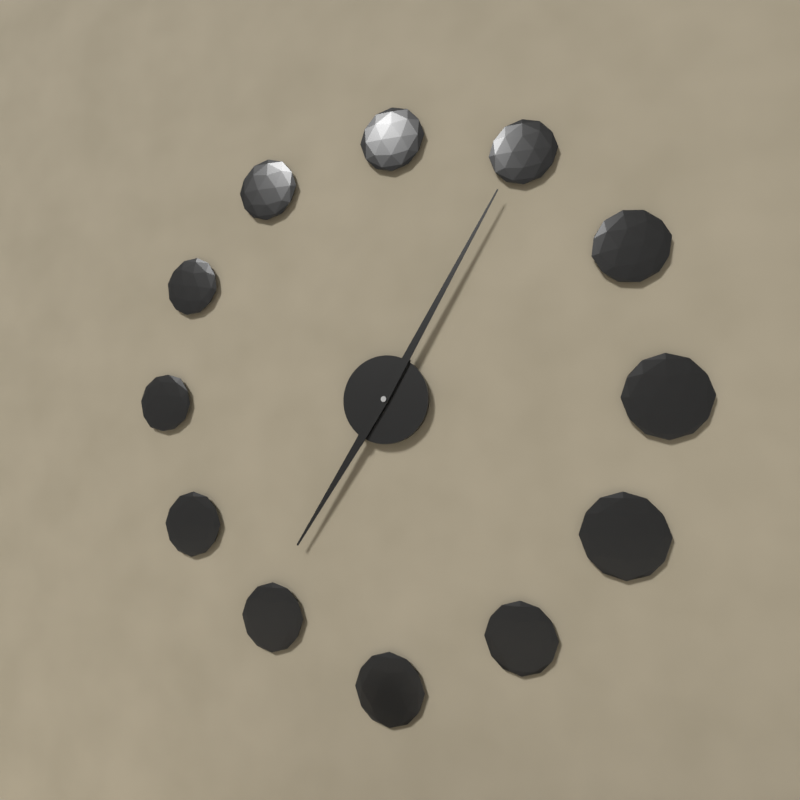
7:05
